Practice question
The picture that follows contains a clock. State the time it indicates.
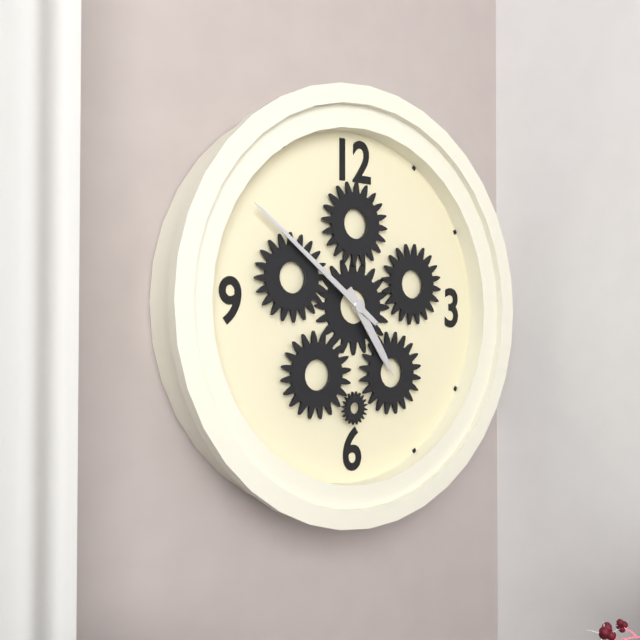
4:51
